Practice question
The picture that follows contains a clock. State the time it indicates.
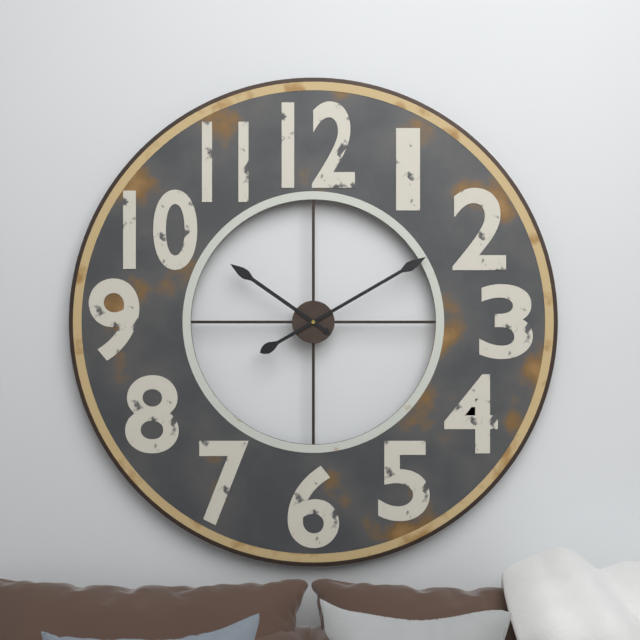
10:10
